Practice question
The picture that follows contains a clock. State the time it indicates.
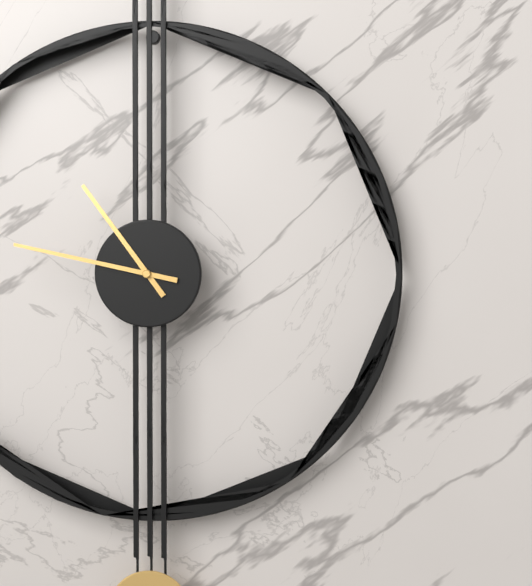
10:47
